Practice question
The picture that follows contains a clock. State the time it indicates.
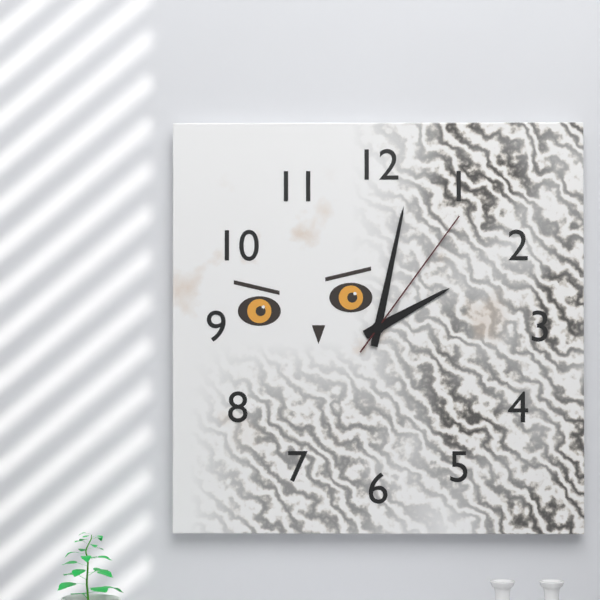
2:02:06
